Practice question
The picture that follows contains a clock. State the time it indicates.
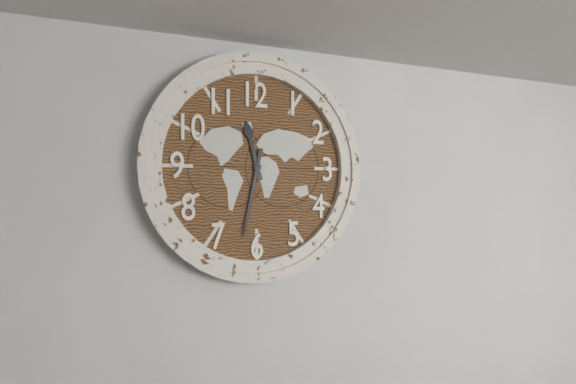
11:32
